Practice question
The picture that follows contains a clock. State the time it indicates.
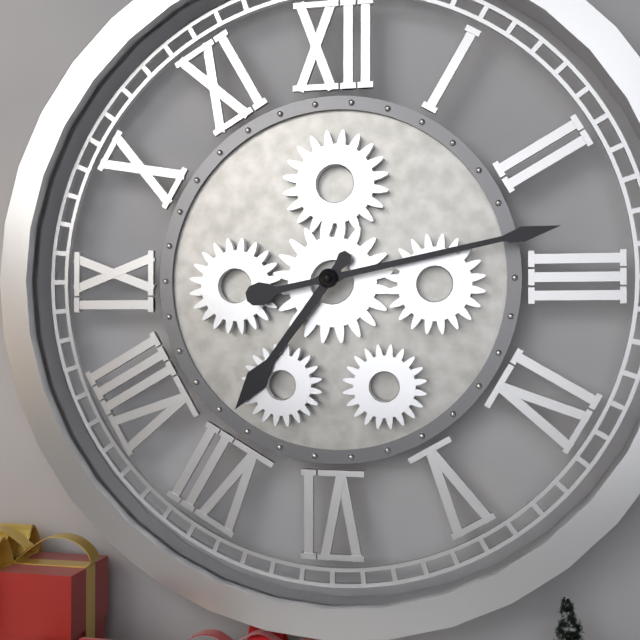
7:13
